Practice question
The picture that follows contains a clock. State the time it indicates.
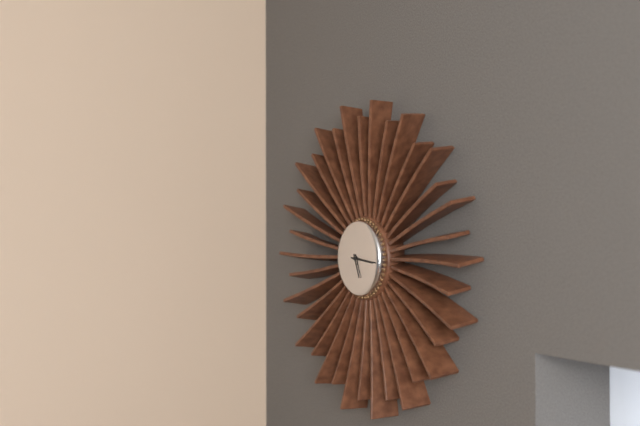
5:16
